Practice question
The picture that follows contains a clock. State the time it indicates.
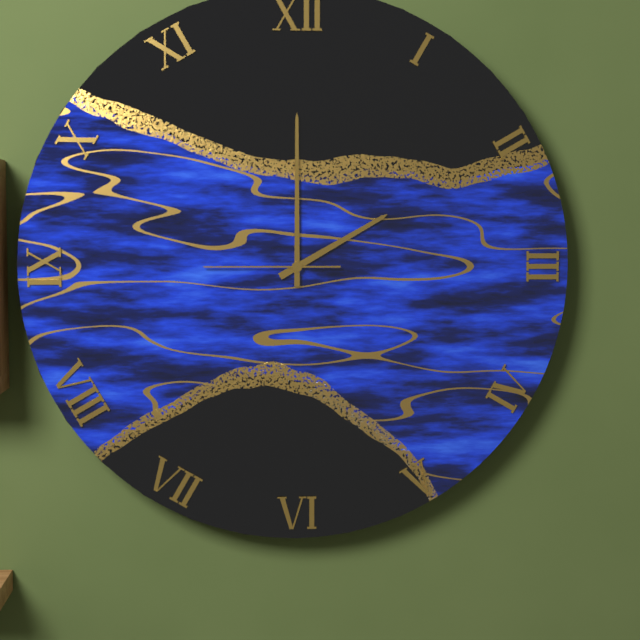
2:00:45
